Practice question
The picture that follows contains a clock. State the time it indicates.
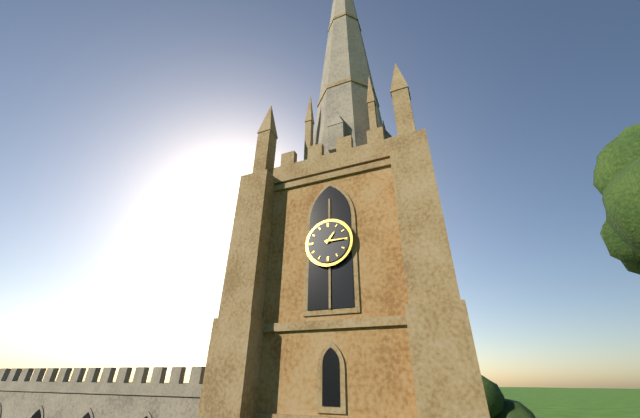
1:15
